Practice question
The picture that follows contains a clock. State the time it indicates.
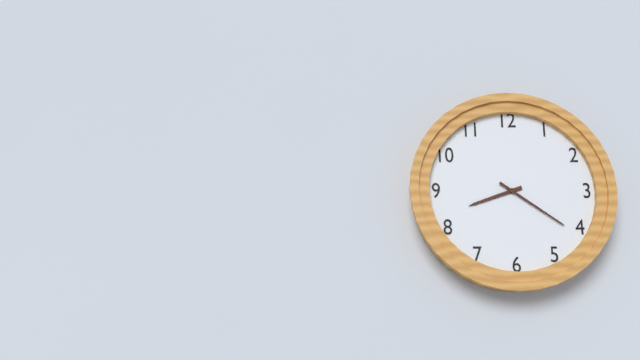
8:21
